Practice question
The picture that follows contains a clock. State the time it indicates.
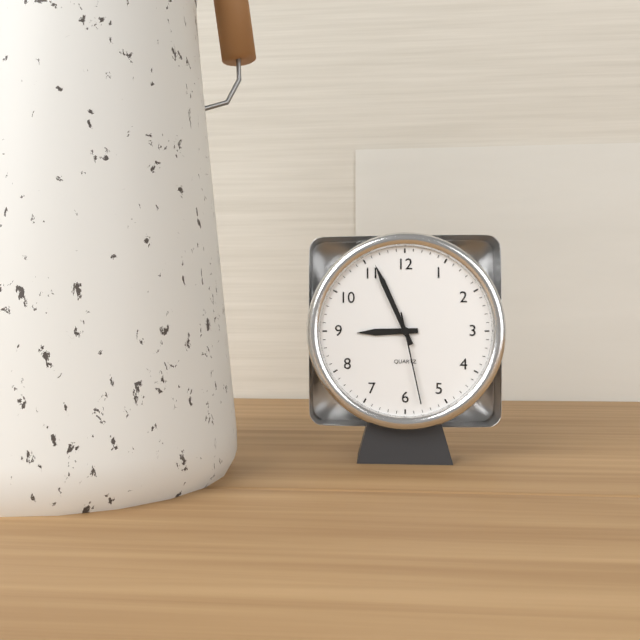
8:56:28
